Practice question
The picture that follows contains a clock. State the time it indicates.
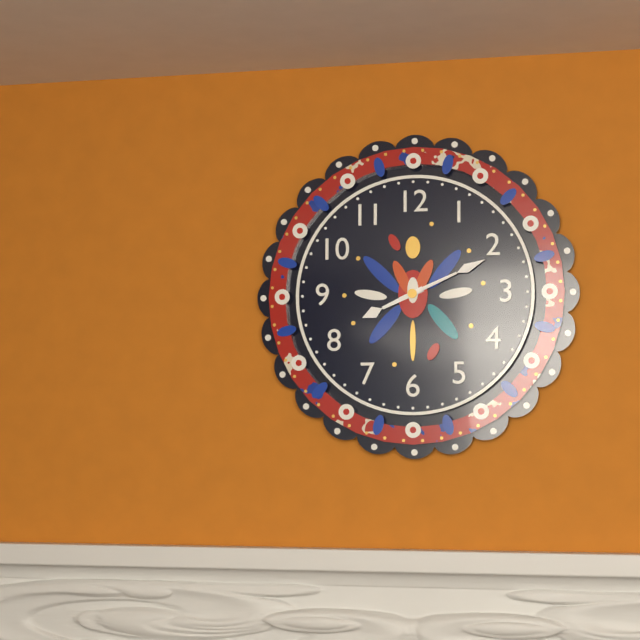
8:11
